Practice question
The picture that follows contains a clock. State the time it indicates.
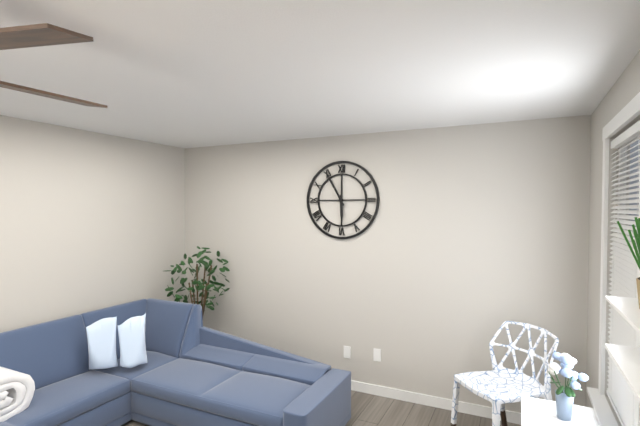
5:55
